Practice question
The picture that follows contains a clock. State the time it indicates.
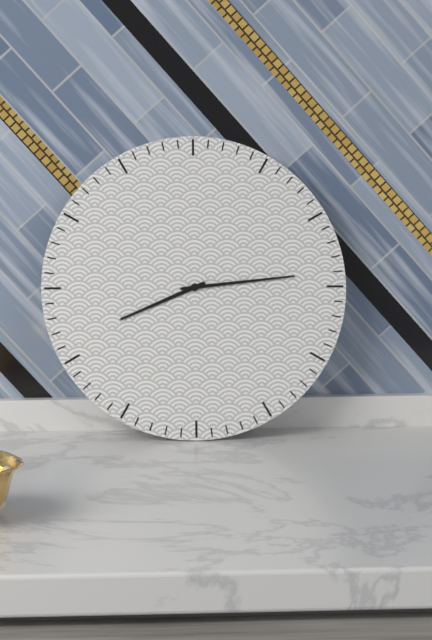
8:14
